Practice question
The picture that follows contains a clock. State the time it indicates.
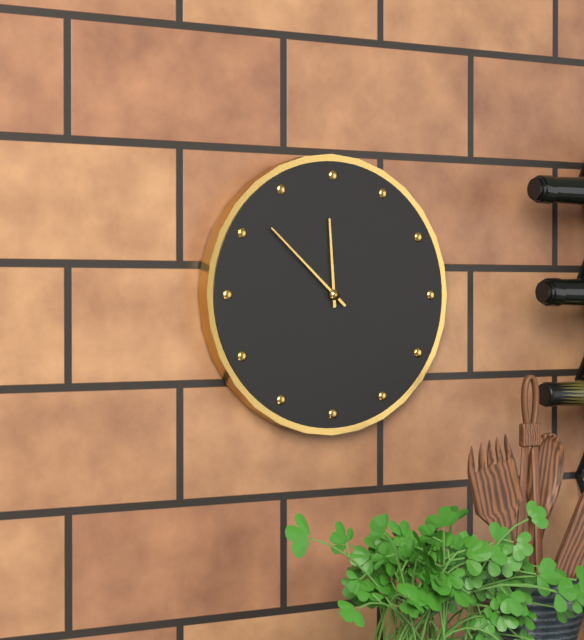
11:52
